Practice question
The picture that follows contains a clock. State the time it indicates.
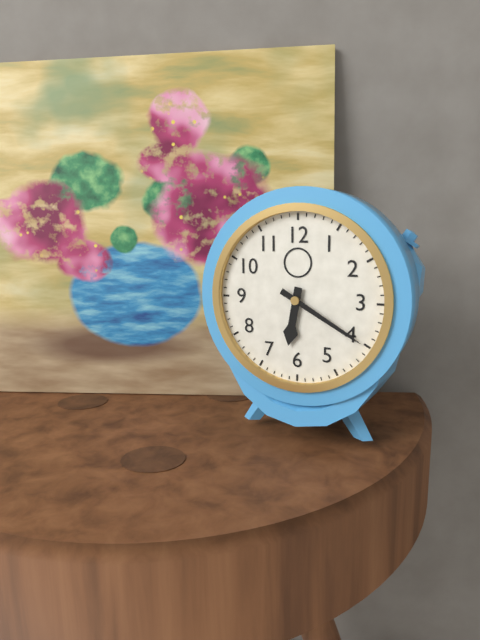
6:20
